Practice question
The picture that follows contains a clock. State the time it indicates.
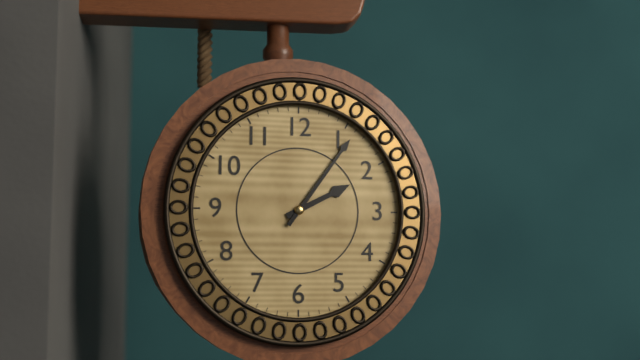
2:06
